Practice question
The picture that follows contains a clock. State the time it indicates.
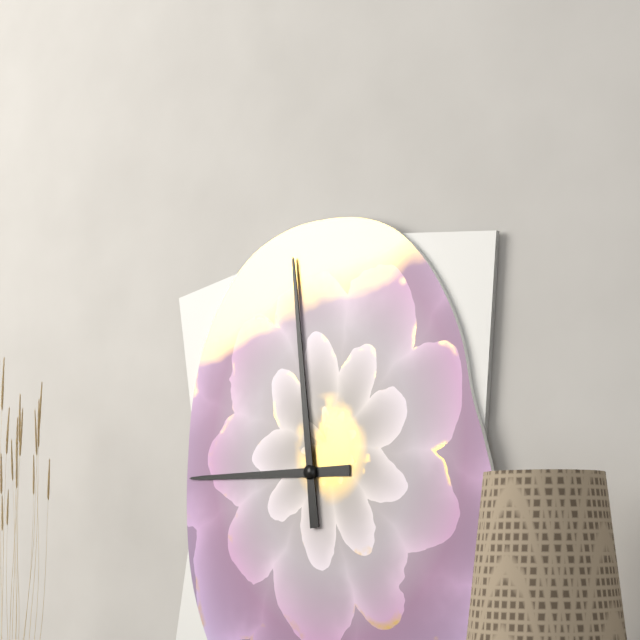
8:59
